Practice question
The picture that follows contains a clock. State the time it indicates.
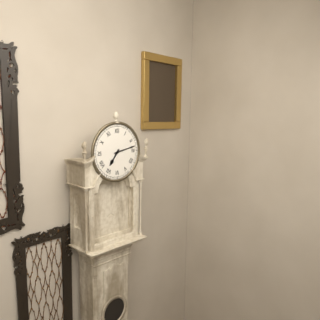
7:13
